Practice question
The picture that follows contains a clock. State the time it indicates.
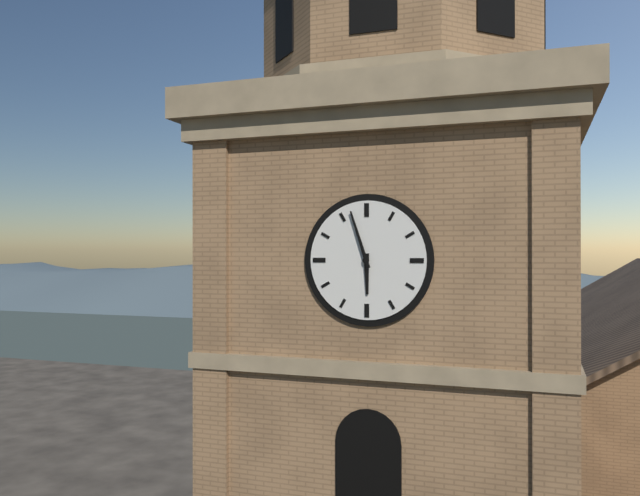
5:57
